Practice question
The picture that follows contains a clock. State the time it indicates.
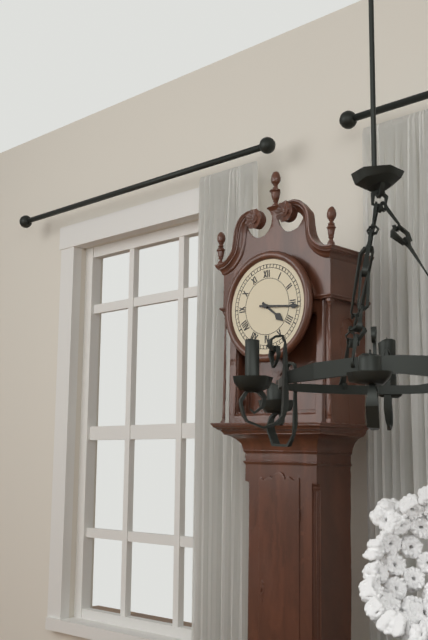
4:16
